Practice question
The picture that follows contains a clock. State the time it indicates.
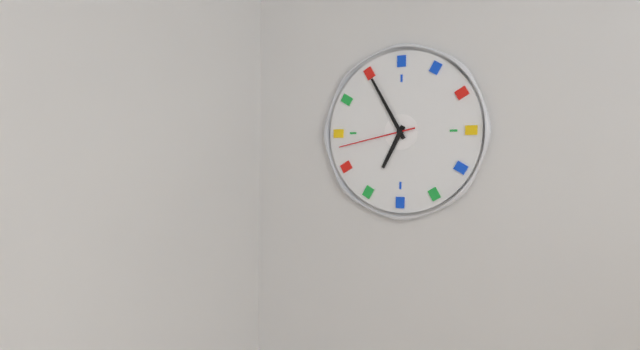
6:55:43
